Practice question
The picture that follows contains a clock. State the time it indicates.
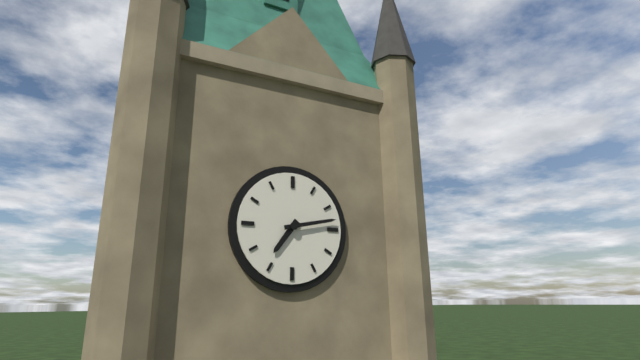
7:13
